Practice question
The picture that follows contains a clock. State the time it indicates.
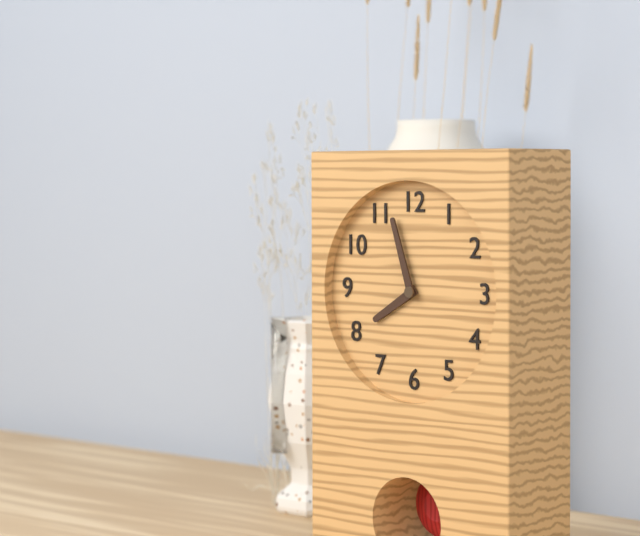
7:57
